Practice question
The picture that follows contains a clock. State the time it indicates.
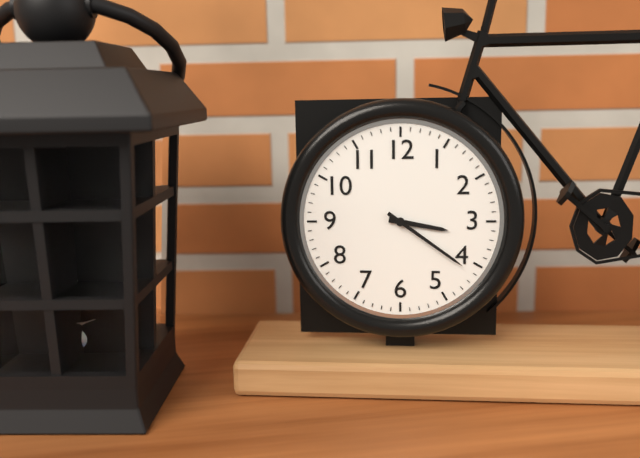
3:21
